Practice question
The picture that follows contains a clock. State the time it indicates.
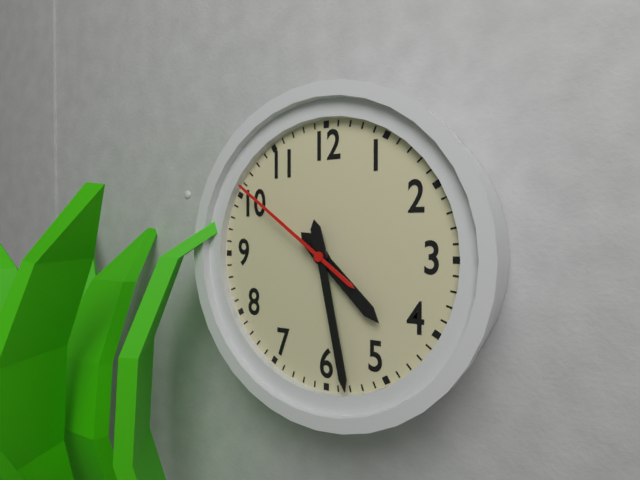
4:28:51
